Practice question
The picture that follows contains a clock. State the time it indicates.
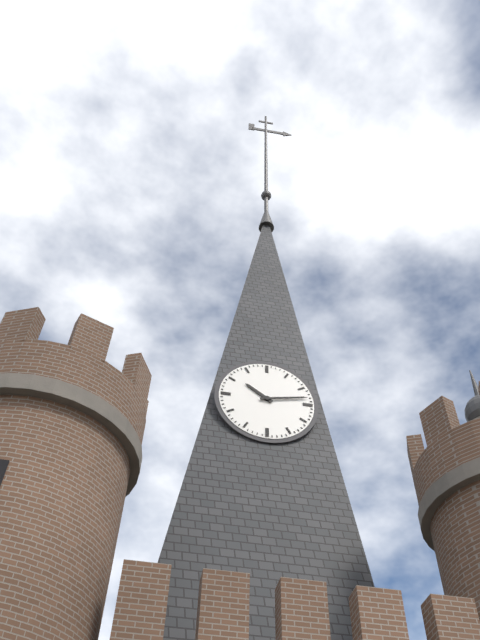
10:13
